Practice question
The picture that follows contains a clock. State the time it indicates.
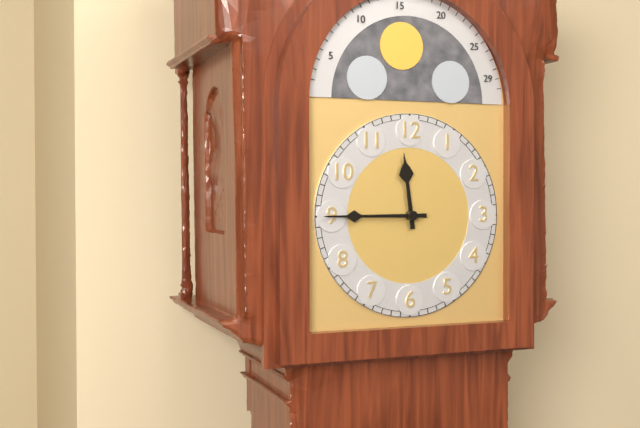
11:45
